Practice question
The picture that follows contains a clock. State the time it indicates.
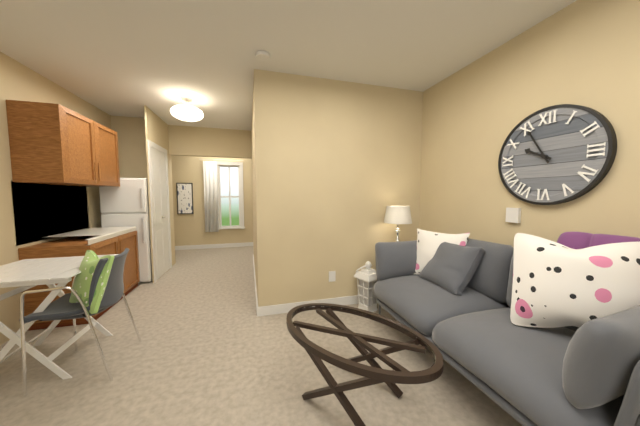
9:55
